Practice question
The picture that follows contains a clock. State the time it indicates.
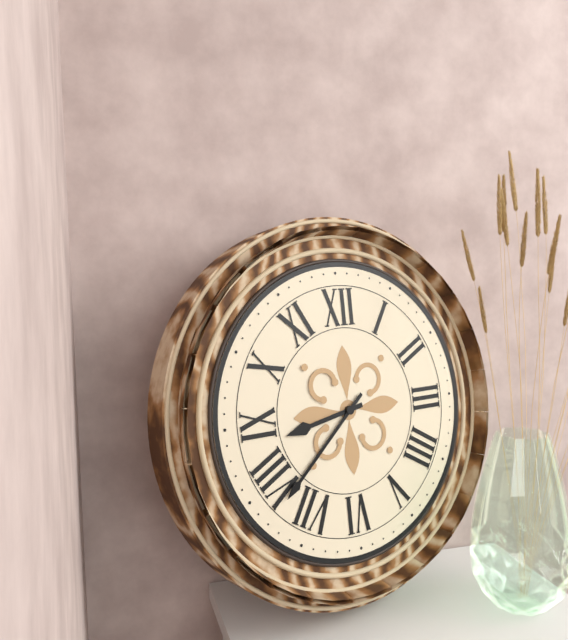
8:38
